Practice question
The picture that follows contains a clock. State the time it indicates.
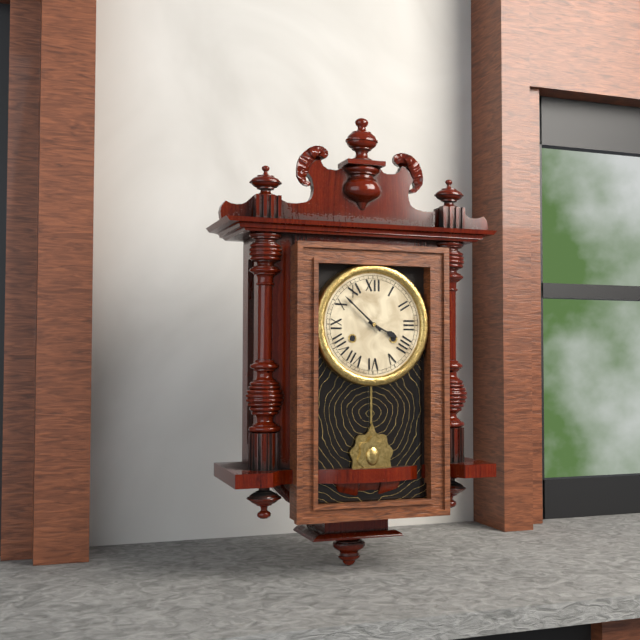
3:52
